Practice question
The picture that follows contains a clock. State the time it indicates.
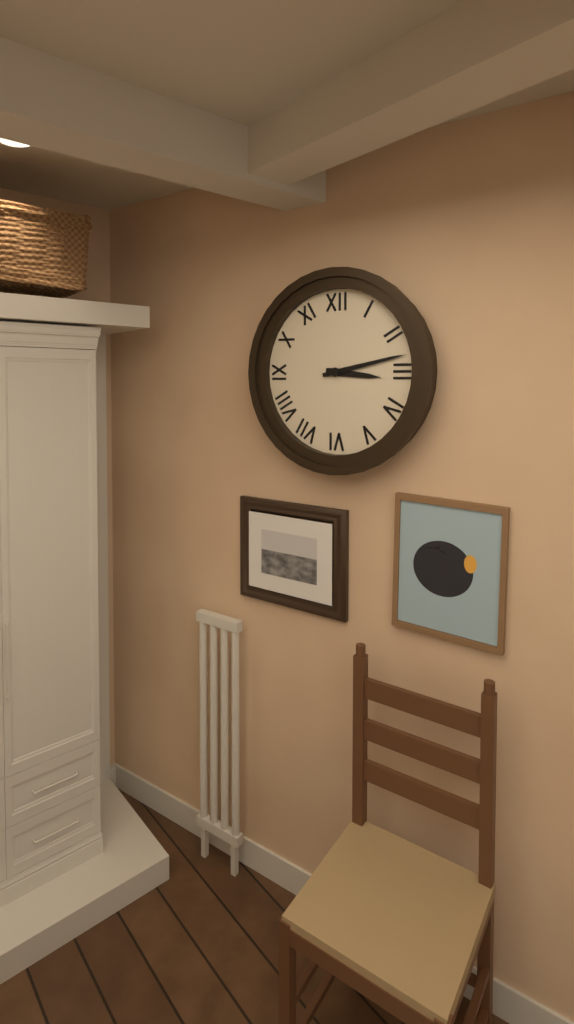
3:13
